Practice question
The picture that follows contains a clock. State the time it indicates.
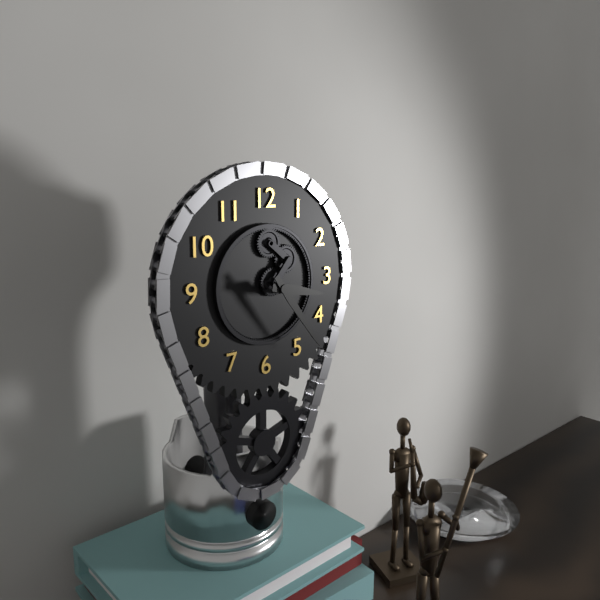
3:24
